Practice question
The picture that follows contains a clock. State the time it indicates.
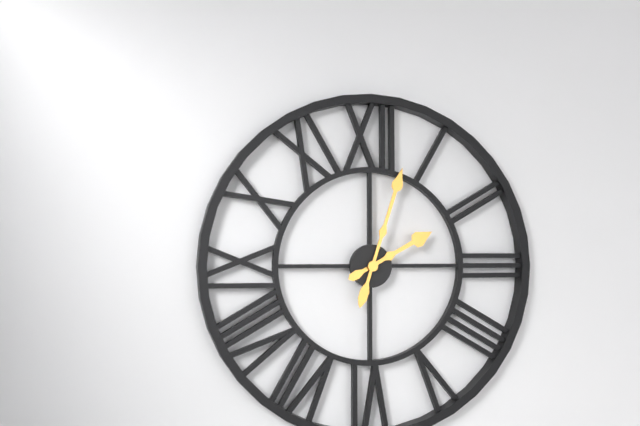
2:03
